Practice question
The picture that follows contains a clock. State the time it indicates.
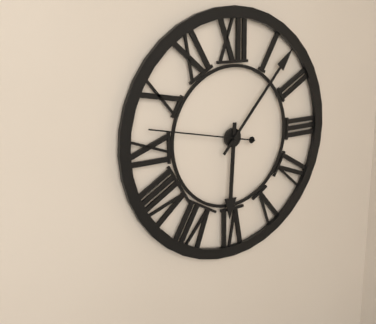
6:07:47
